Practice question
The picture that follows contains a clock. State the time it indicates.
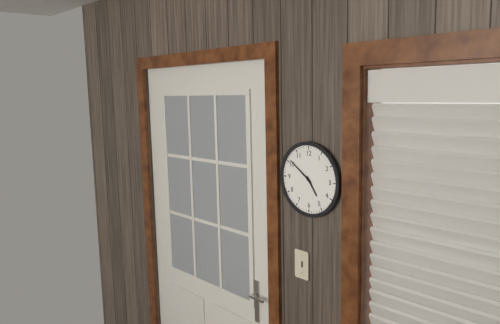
4:51
